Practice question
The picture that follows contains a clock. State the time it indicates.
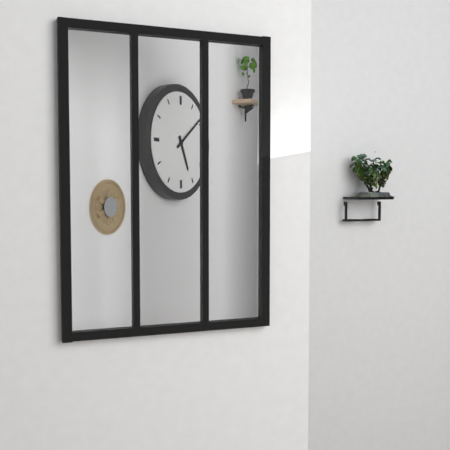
5:09
